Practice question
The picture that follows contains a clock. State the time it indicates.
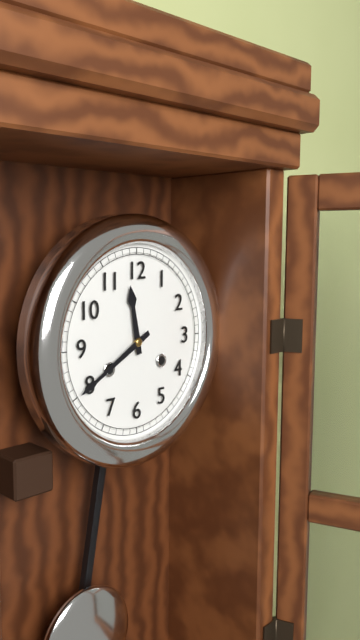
11:40
